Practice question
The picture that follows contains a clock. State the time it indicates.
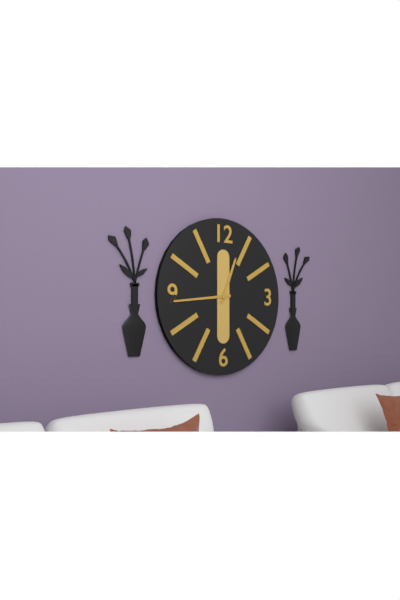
12:44
